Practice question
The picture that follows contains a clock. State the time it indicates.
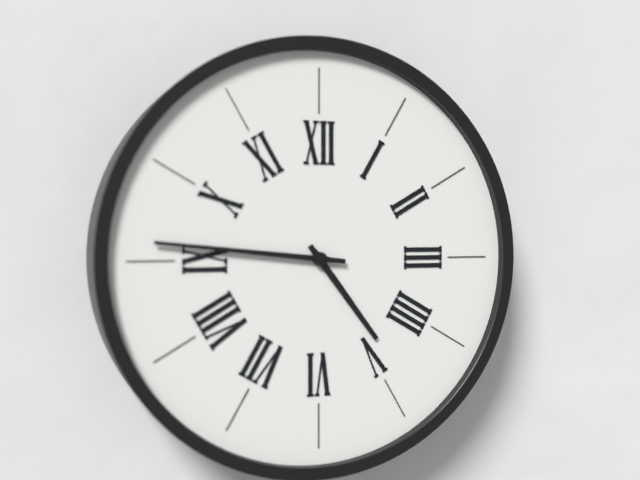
4:46
